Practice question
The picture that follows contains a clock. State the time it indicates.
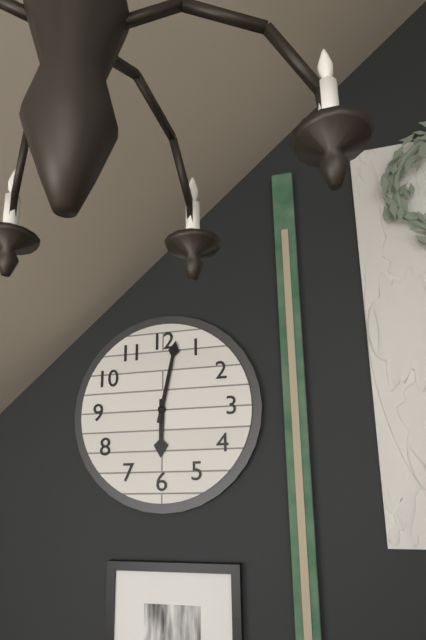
6:02
